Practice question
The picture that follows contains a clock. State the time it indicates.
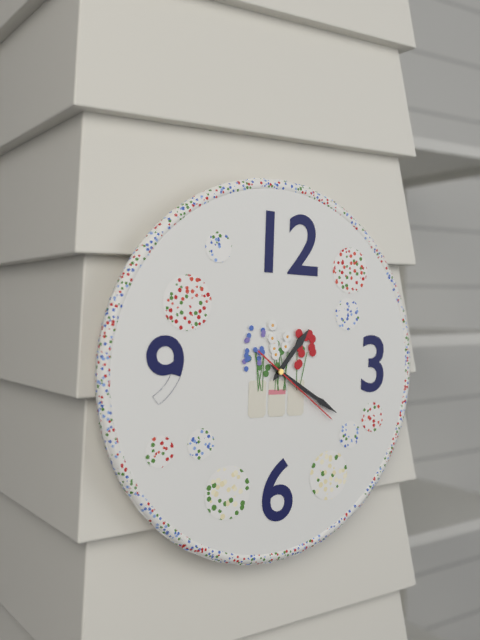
1:20:21
